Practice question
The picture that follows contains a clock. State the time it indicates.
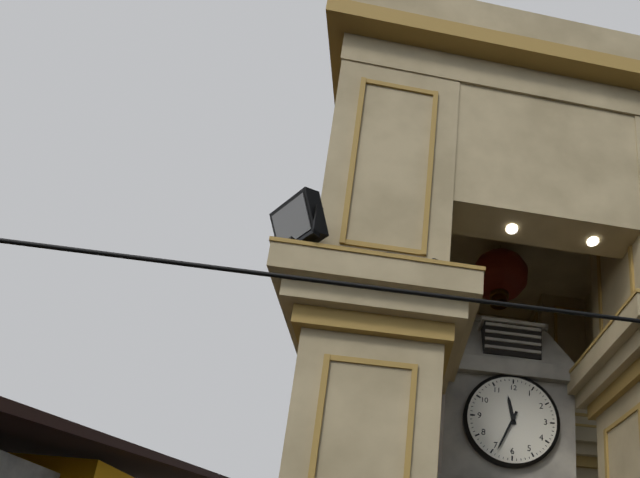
11:34
